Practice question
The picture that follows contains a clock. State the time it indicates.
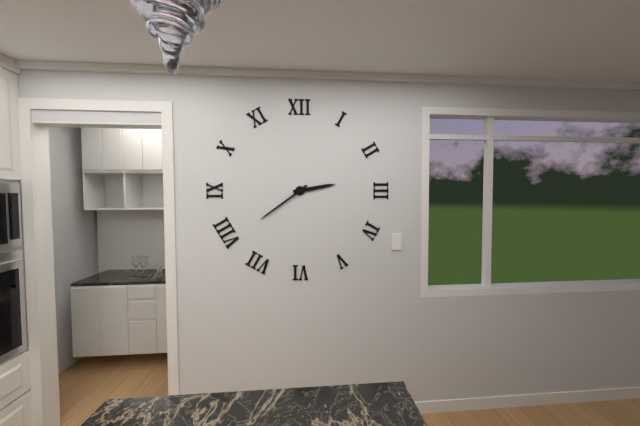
2:39
